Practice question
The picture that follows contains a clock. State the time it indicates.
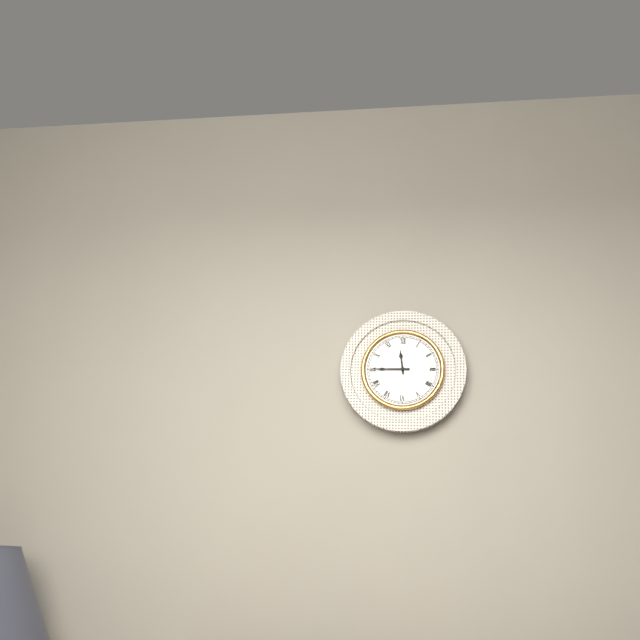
11:45
